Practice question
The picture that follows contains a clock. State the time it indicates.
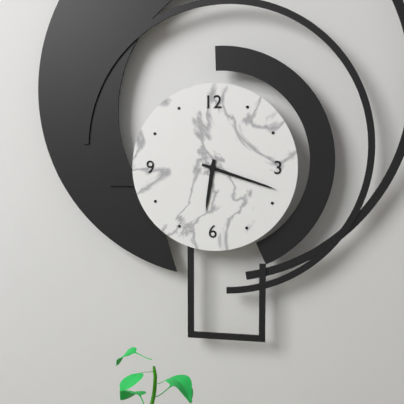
6:18
